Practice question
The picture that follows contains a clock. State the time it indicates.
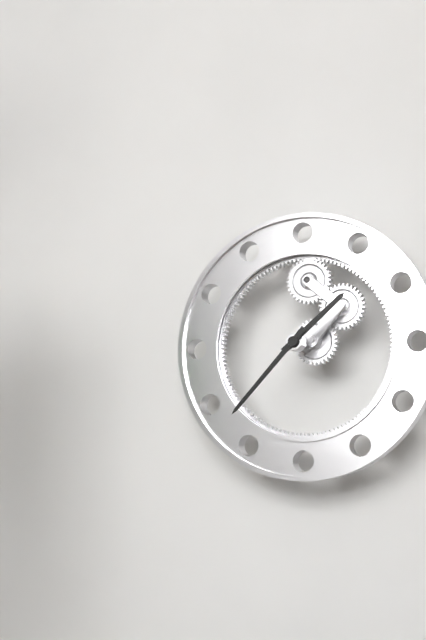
1:37
